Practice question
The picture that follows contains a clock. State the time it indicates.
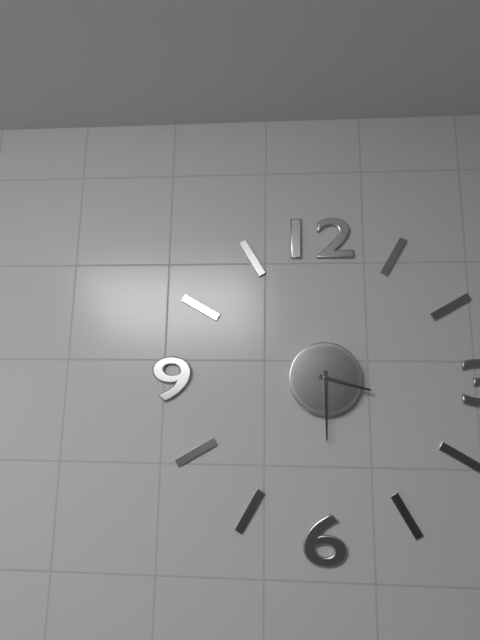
3:30
